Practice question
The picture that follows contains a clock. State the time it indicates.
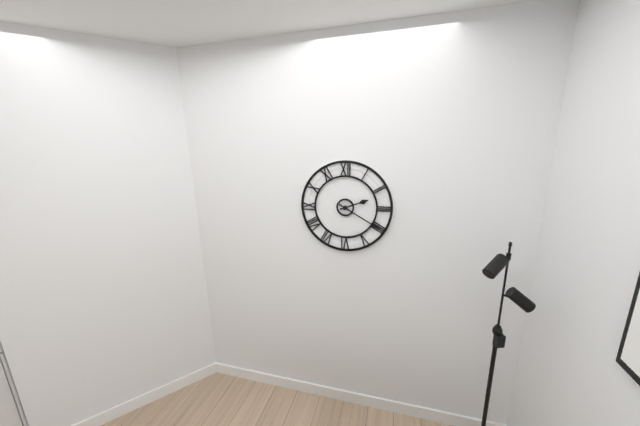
2:20
